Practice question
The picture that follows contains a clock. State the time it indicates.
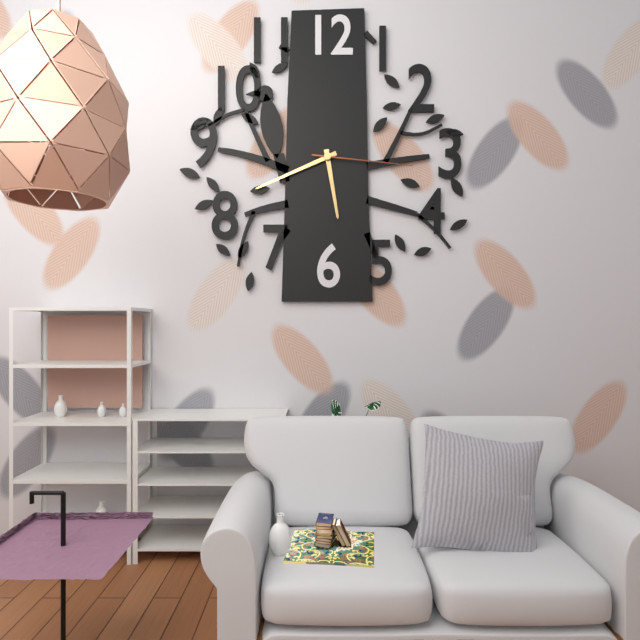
5:41:16
